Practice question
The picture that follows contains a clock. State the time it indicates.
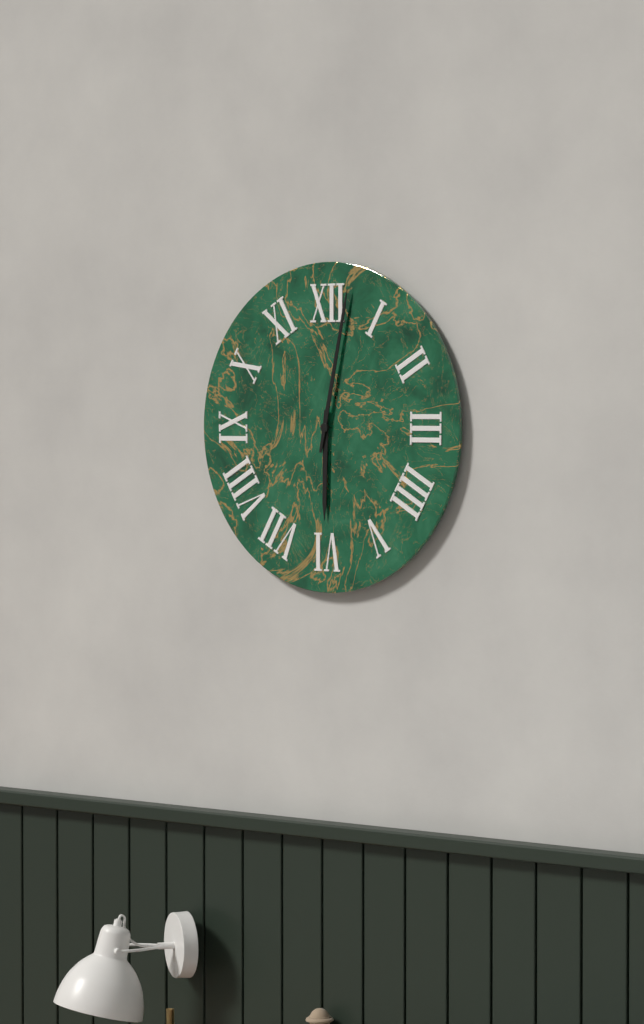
6:02
